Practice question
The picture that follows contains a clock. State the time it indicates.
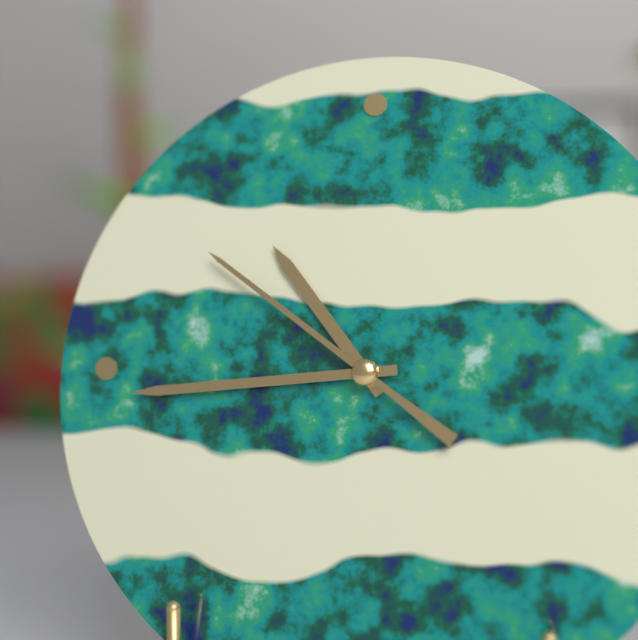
10:44:51
